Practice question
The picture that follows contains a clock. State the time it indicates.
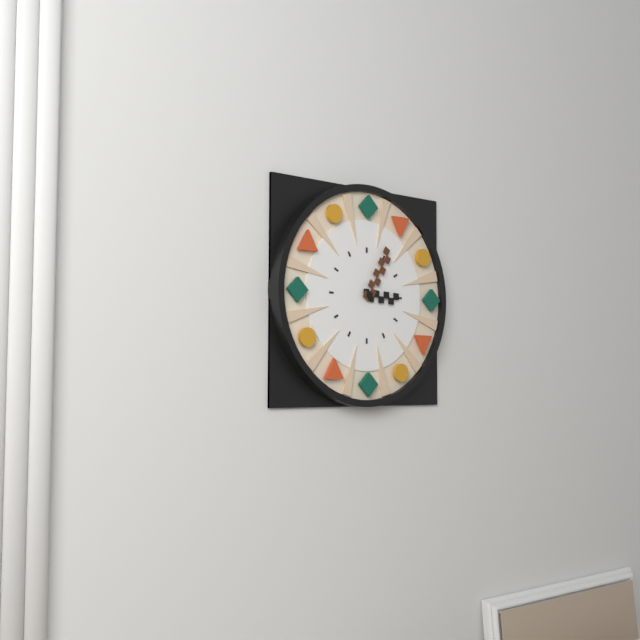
3:05
